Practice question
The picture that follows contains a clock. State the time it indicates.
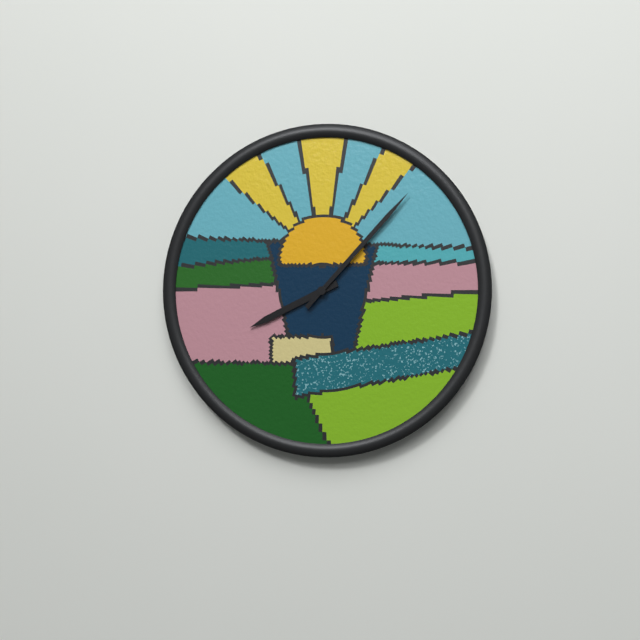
8:07
